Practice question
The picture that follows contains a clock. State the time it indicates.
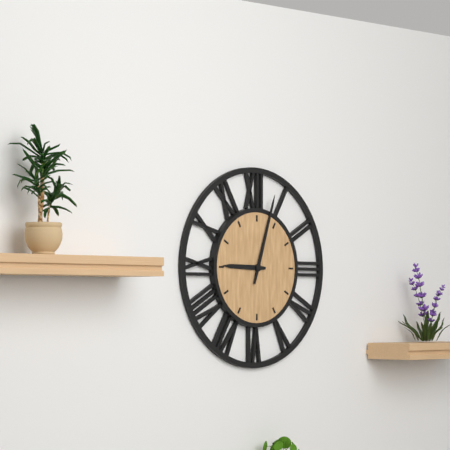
9:03
